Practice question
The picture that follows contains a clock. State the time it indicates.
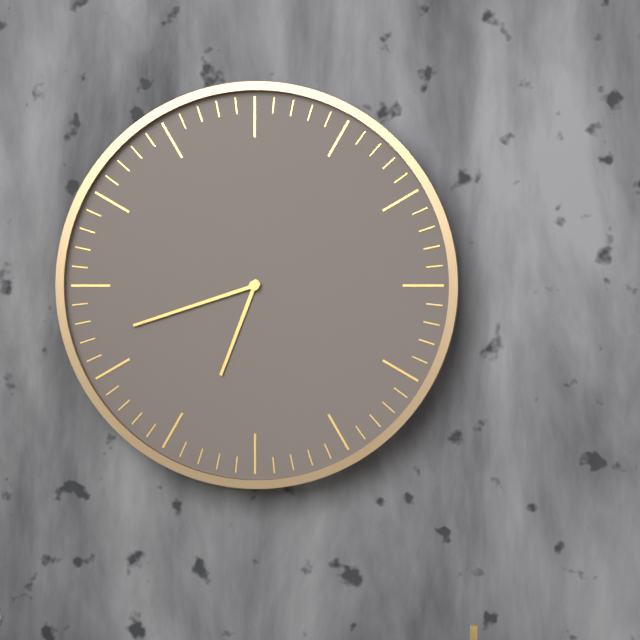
6:42
